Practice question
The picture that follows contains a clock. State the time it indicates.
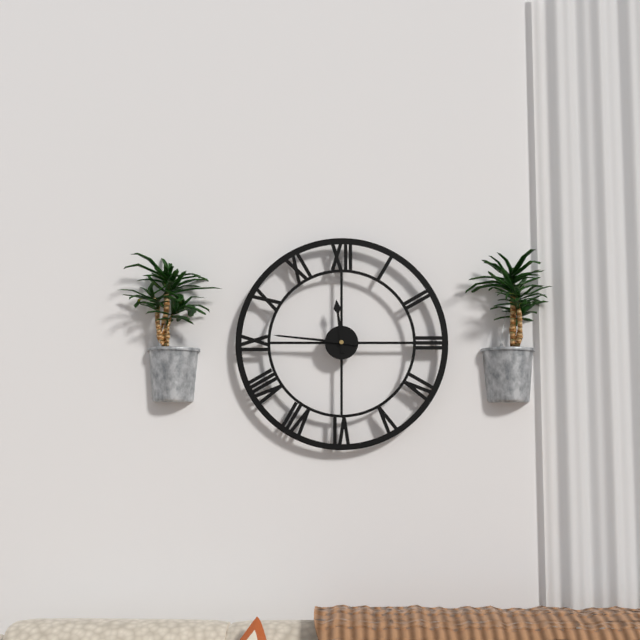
11:46
